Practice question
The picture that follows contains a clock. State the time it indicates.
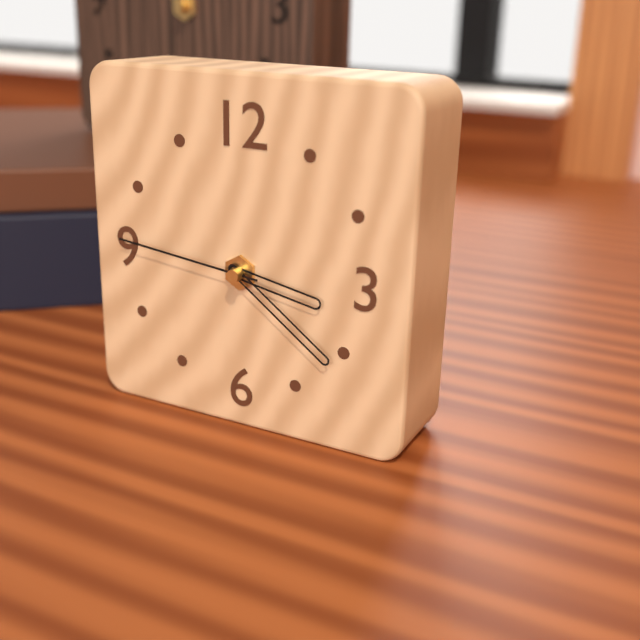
3:21:46
